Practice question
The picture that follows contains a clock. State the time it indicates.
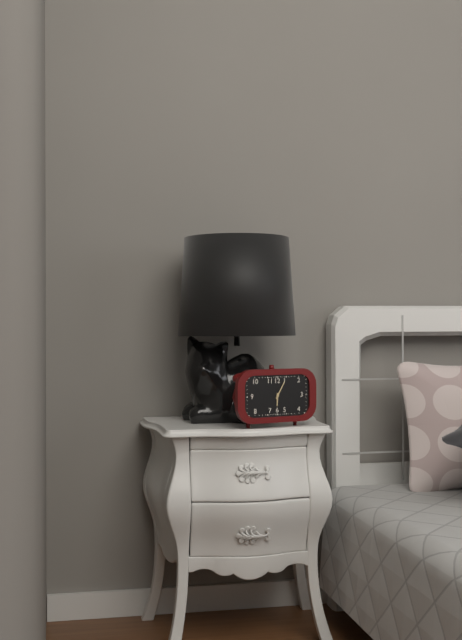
6:05
